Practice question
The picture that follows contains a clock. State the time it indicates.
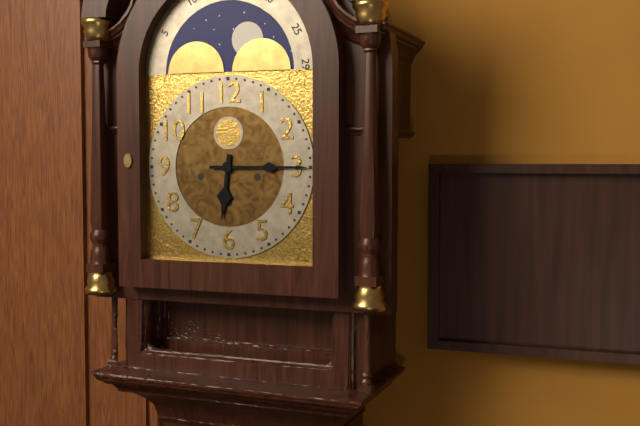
6:15
